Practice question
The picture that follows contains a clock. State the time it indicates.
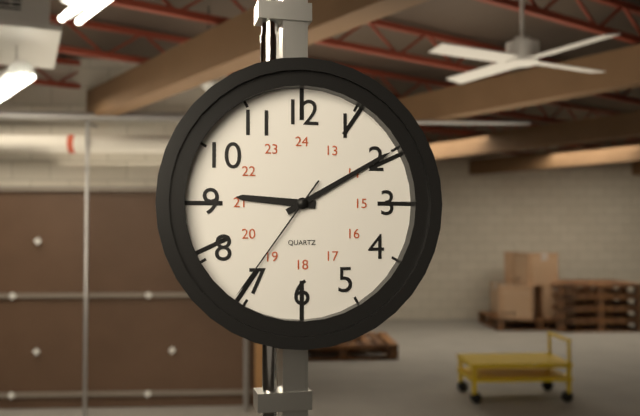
9:10:36
